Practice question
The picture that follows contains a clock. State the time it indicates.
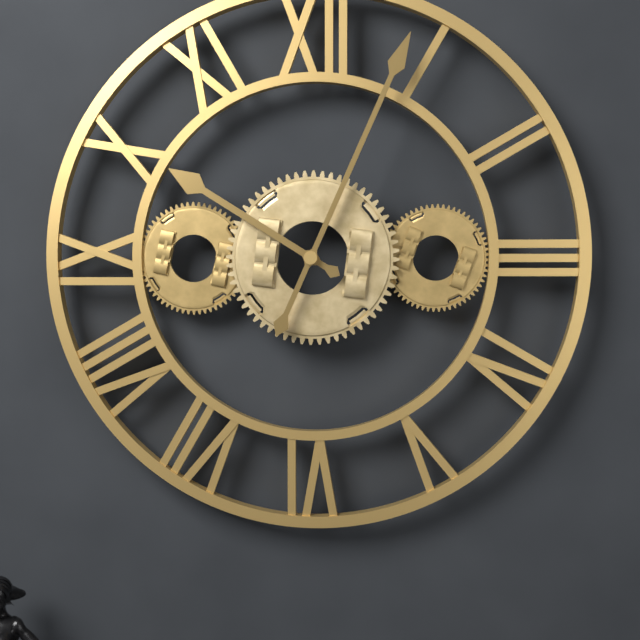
10:04
